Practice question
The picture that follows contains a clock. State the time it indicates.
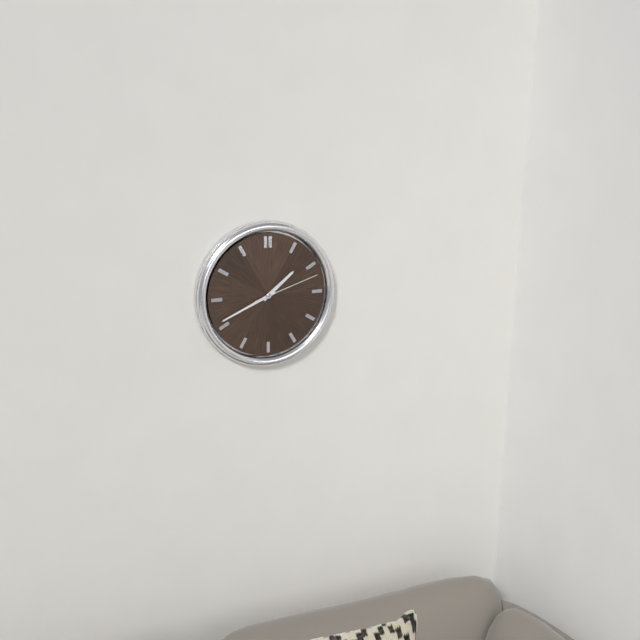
1:41:12
